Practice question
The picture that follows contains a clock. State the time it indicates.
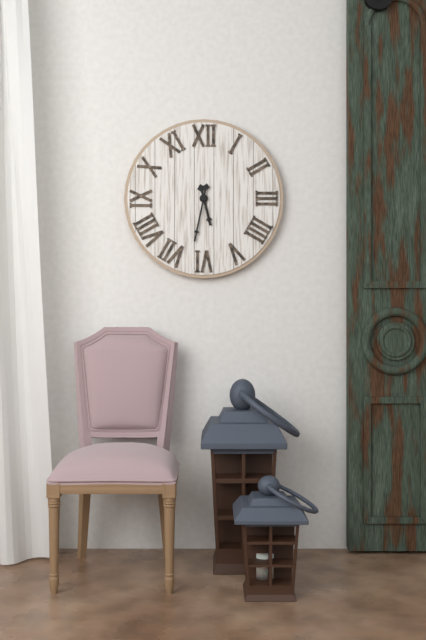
5:32
